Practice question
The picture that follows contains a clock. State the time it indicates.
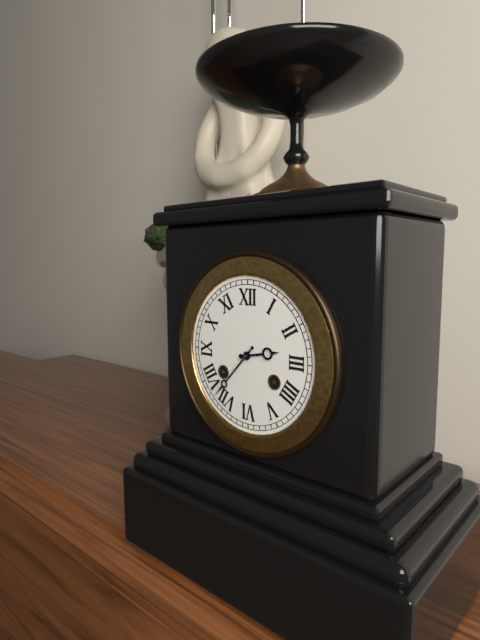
2:37
